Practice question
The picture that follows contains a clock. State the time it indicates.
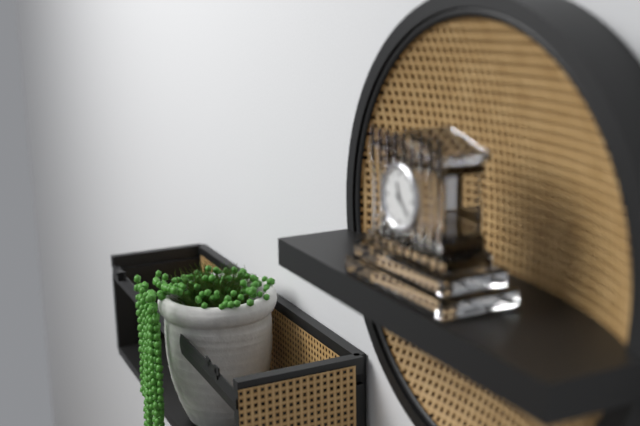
11:22
